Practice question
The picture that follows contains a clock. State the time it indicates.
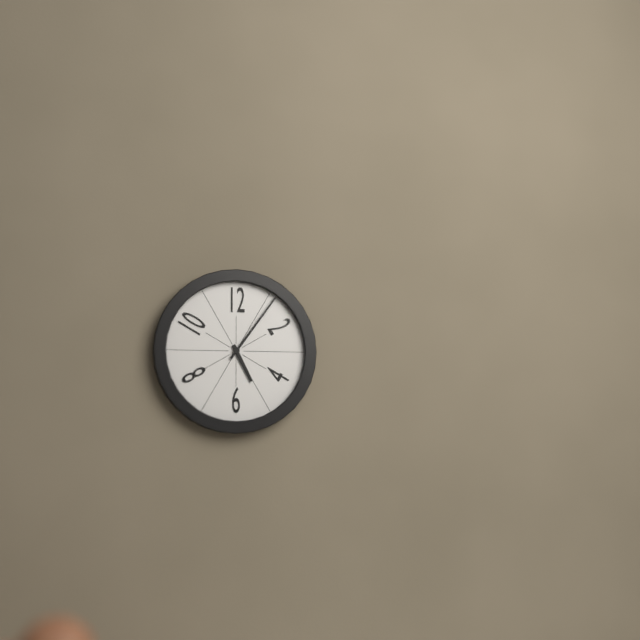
5:06
